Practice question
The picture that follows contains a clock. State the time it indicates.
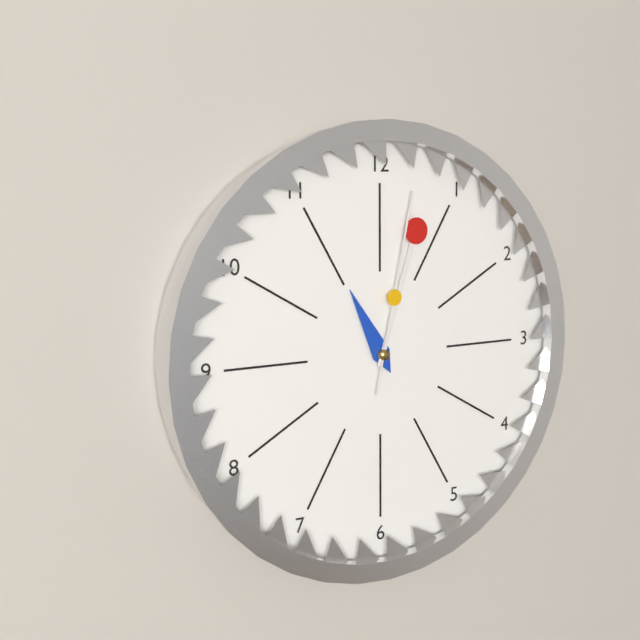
11:03:02
